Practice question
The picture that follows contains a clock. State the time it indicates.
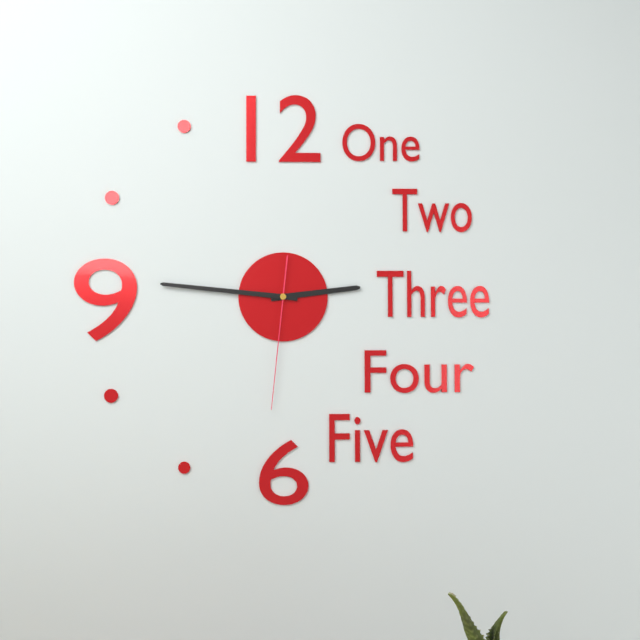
2:46:31
